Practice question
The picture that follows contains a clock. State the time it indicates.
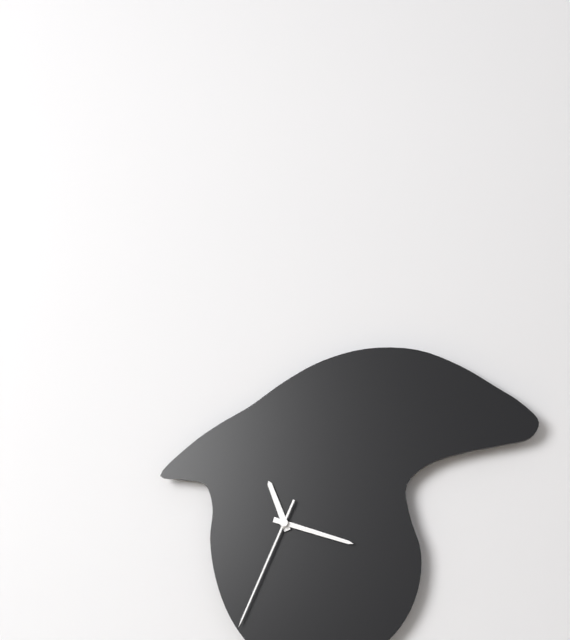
11:18:34
